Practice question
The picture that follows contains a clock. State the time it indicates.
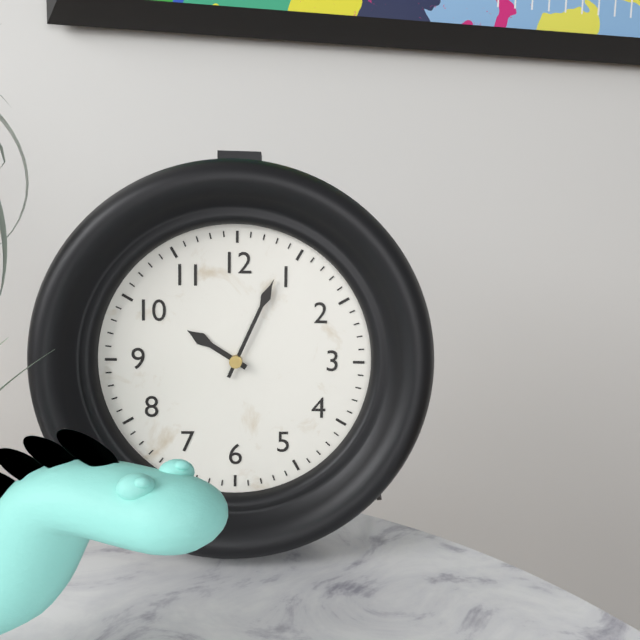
10:04
